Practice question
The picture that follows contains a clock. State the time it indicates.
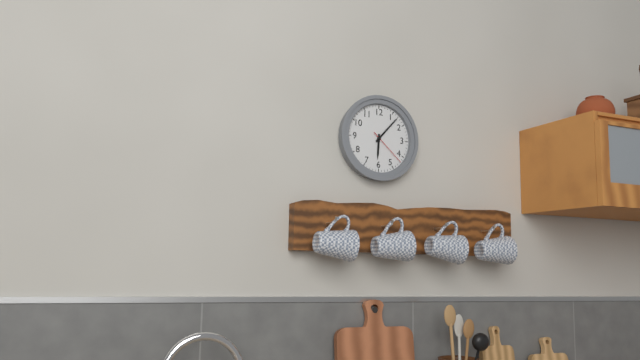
6:07
